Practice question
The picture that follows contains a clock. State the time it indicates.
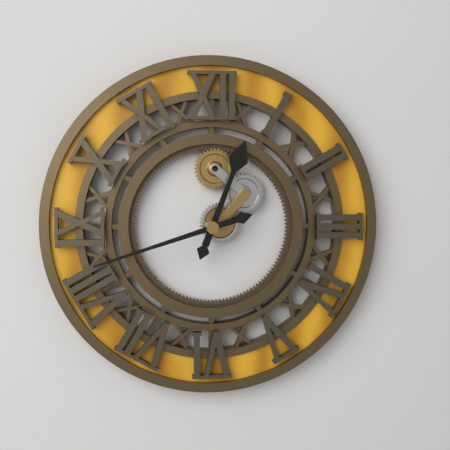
12:42
